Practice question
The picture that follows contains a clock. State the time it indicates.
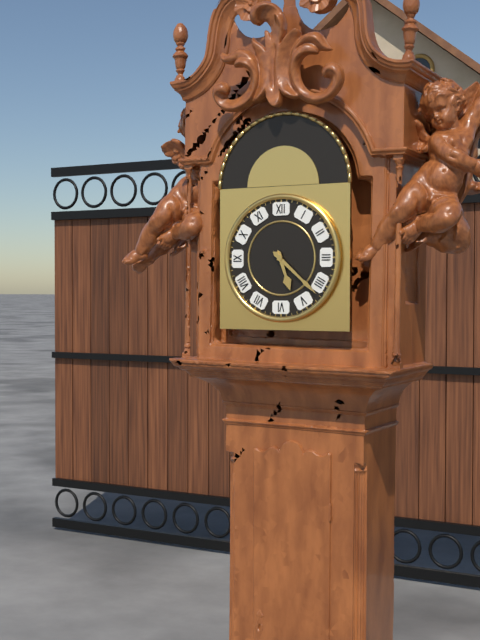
5:22
